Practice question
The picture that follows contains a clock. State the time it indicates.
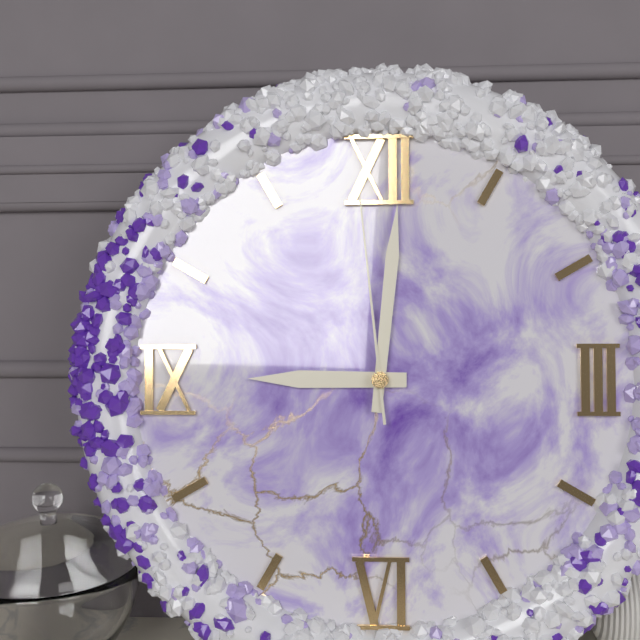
9:01:59
